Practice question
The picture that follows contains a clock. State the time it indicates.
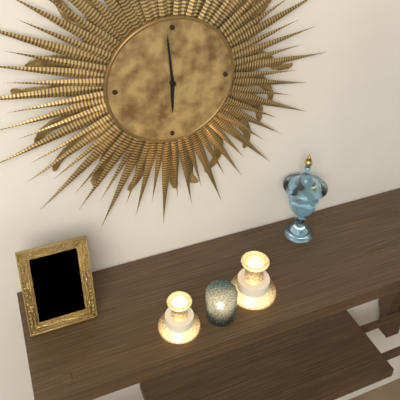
5:59
